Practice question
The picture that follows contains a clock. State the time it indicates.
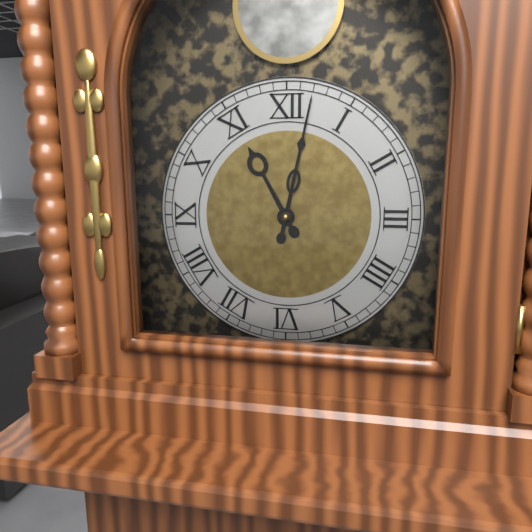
11:02
